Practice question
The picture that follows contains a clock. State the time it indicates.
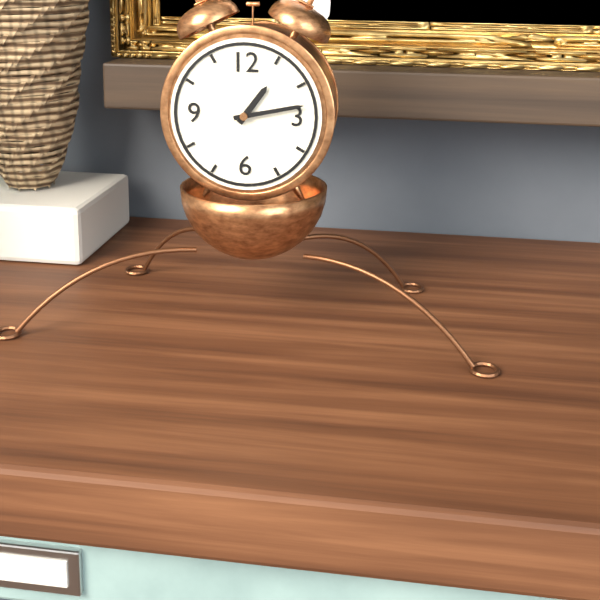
1:13
